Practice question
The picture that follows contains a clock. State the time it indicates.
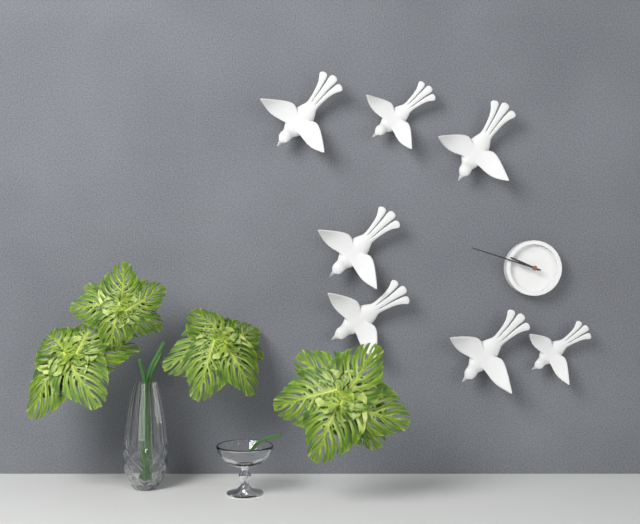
9:48
